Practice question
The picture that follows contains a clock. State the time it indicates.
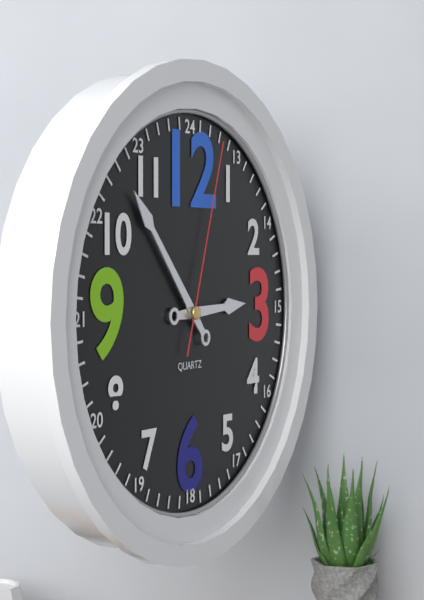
2:53:03
